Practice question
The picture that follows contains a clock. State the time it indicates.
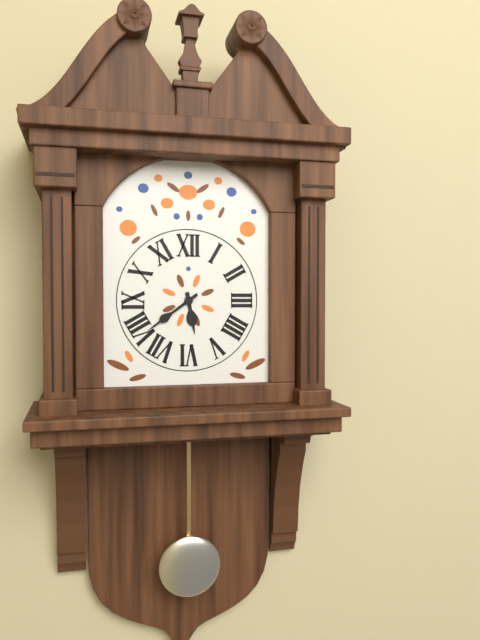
5:39
